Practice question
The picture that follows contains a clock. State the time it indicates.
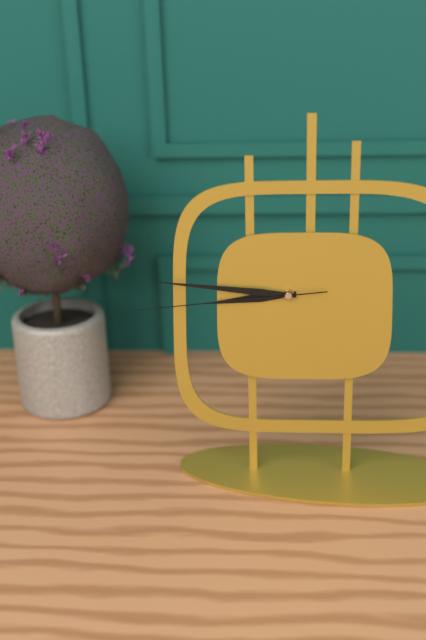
8:46:44
